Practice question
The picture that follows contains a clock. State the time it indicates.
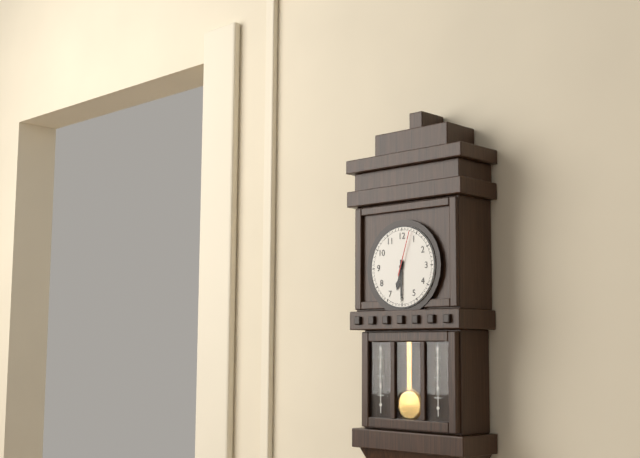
6:30
